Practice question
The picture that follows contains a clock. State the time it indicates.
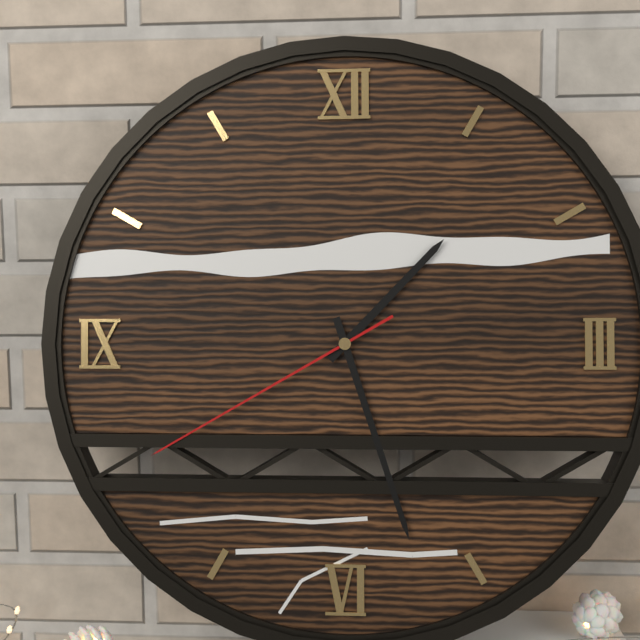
1:27:40
